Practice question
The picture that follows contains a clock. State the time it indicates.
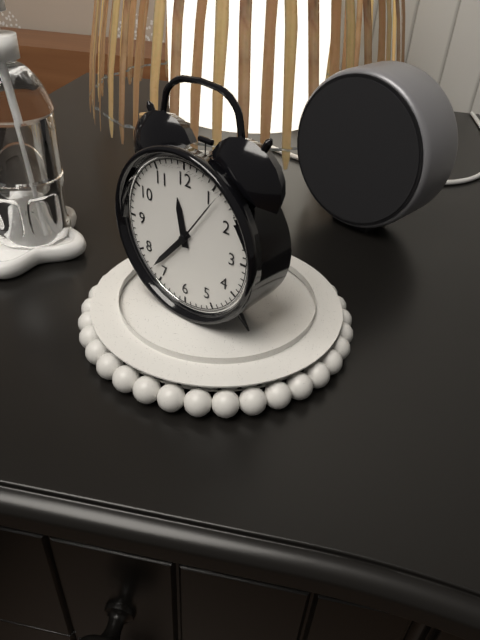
11:37:06
